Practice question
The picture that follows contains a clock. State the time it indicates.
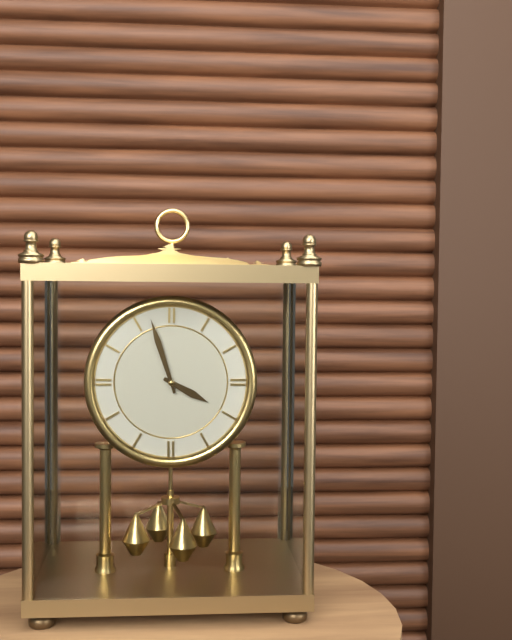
3:57
